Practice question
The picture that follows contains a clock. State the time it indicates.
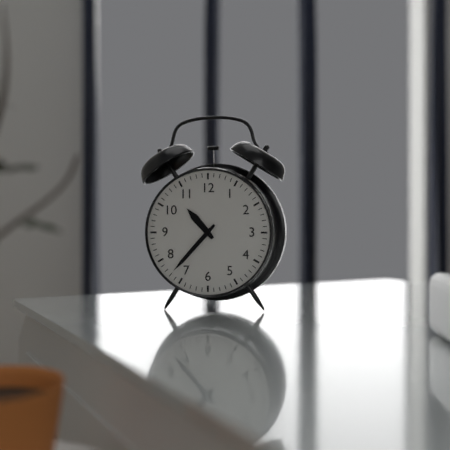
10:37
